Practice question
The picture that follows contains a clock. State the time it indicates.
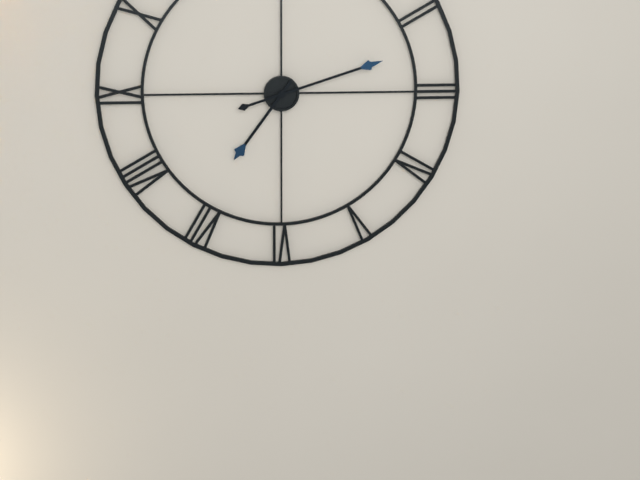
7:12
